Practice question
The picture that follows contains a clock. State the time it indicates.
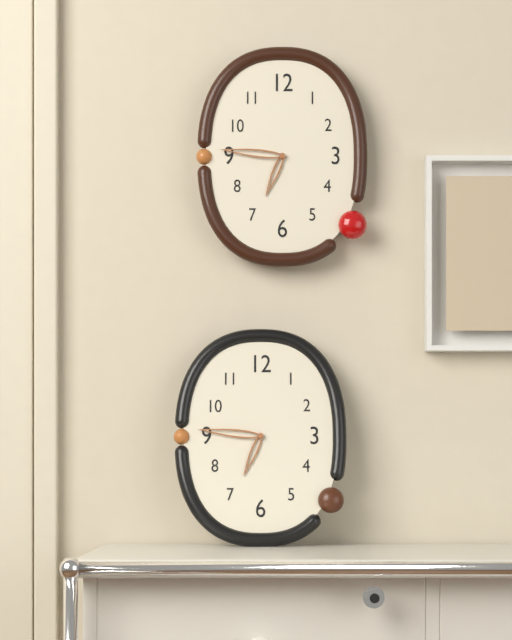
6:46
